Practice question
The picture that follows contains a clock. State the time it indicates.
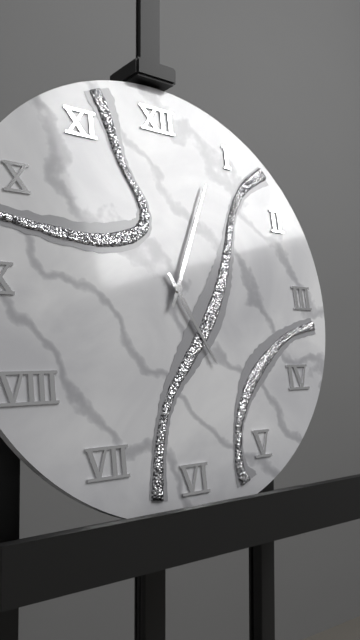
5:04
